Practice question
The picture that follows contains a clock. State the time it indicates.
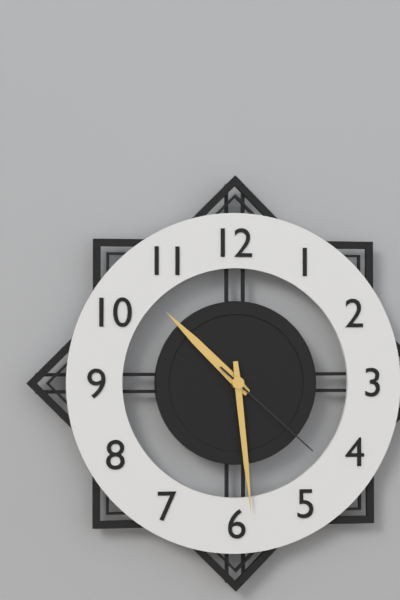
10:29:22
